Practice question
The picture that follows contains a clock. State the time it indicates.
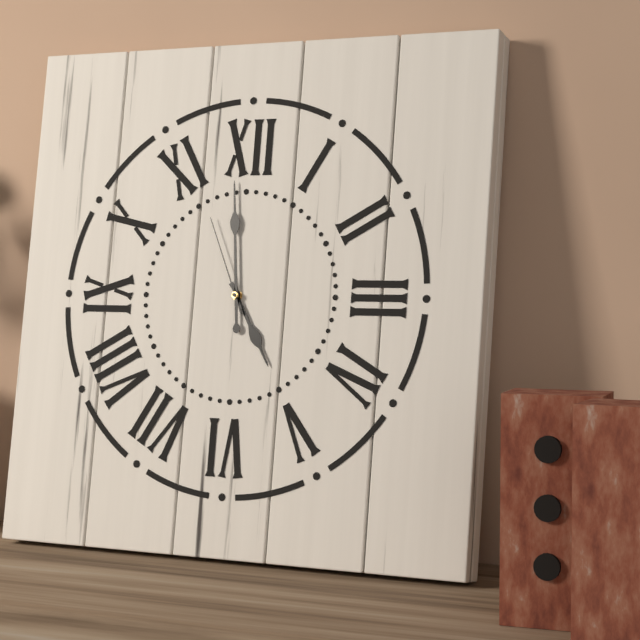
4:59:56
